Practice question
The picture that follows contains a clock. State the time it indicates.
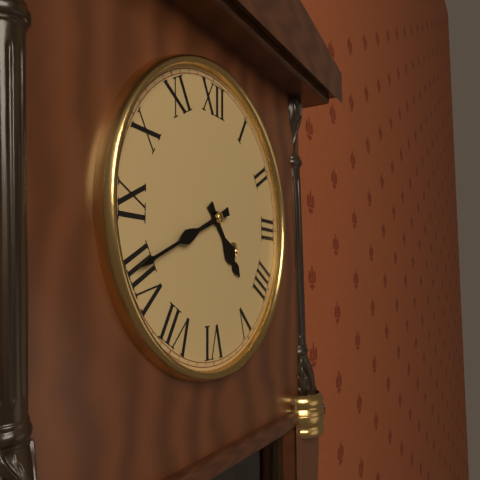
4:41
